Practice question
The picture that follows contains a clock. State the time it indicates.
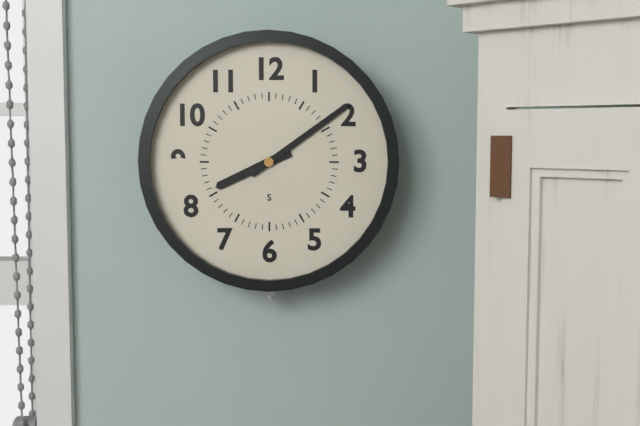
8:09
